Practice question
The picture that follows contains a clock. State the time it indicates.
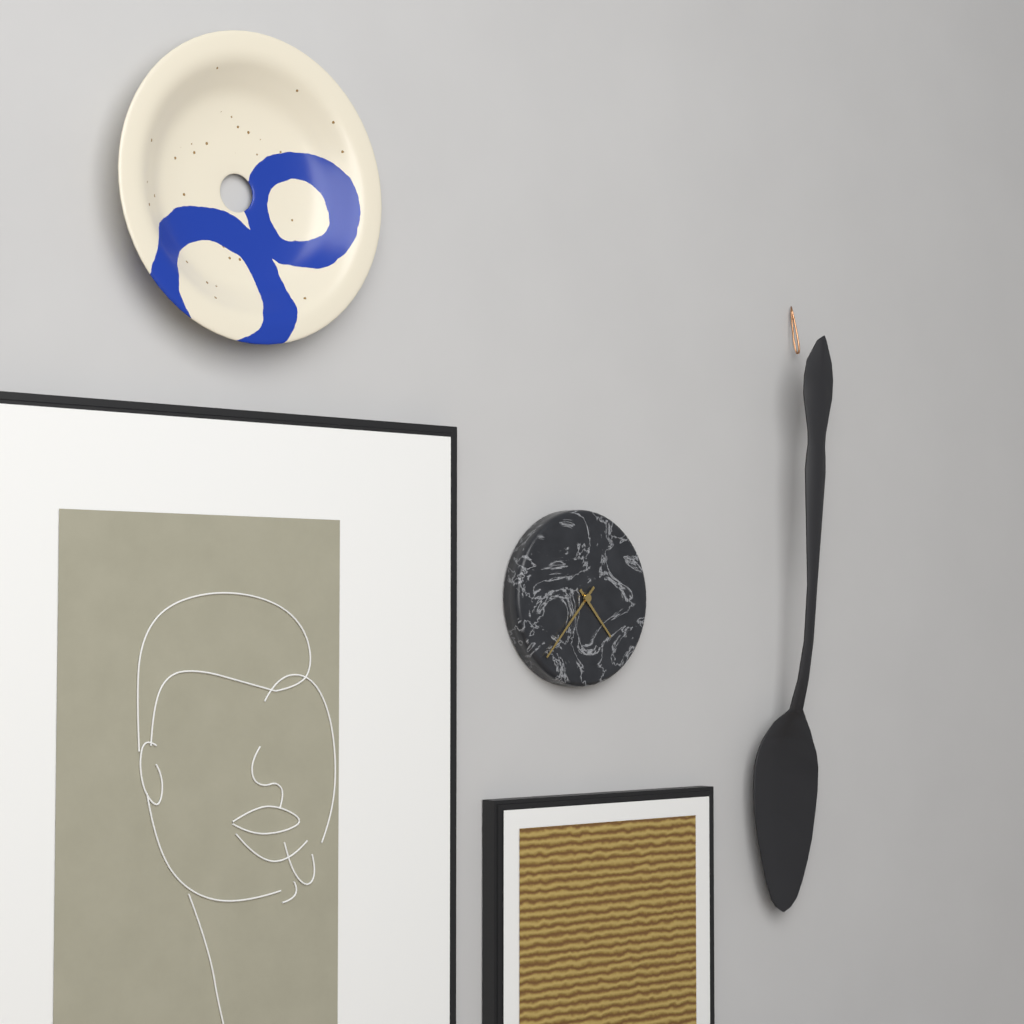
4:37
